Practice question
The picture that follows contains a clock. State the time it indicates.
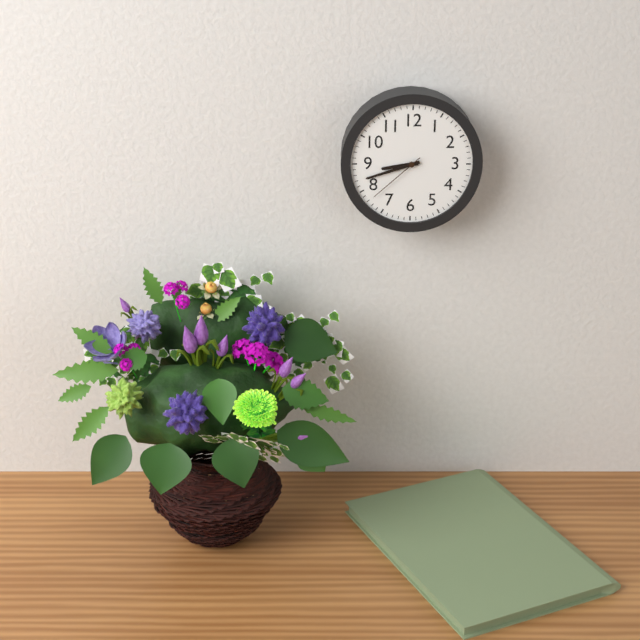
8:42:38
